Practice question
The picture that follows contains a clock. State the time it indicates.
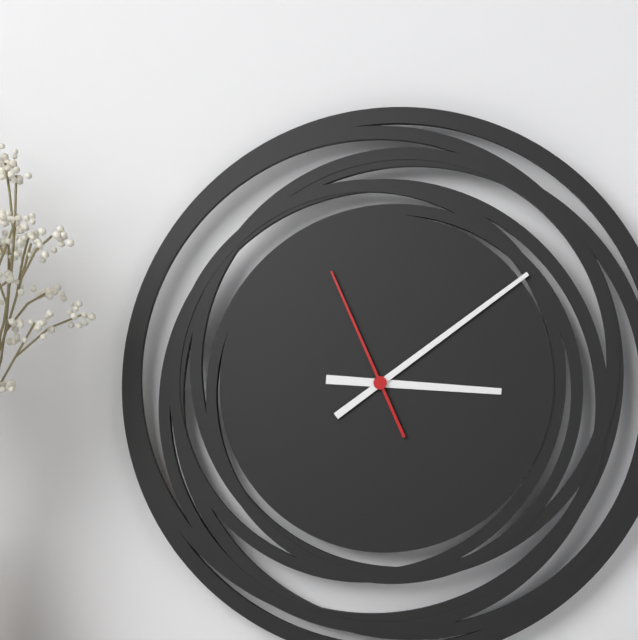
3:09:56
